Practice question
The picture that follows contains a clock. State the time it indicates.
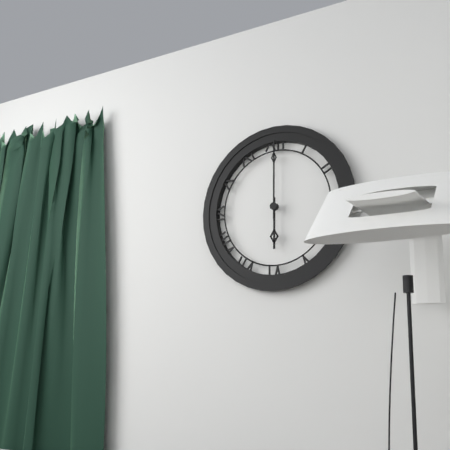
6:00
